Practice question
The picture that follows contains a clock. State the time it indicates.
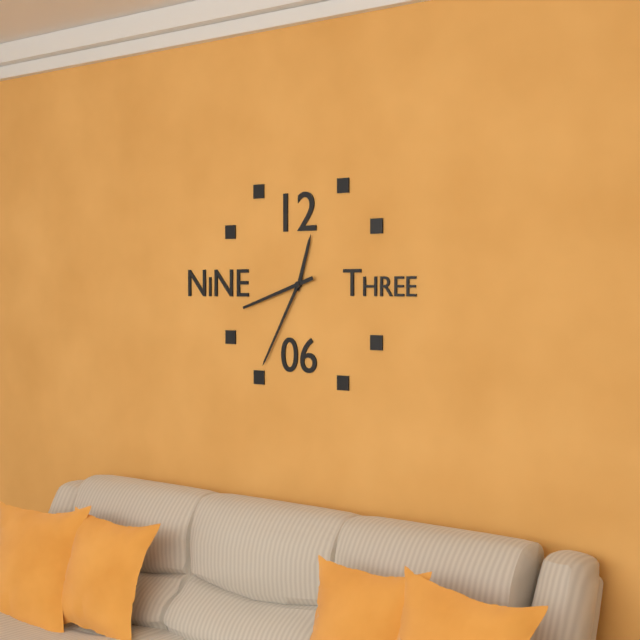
12:35:42
